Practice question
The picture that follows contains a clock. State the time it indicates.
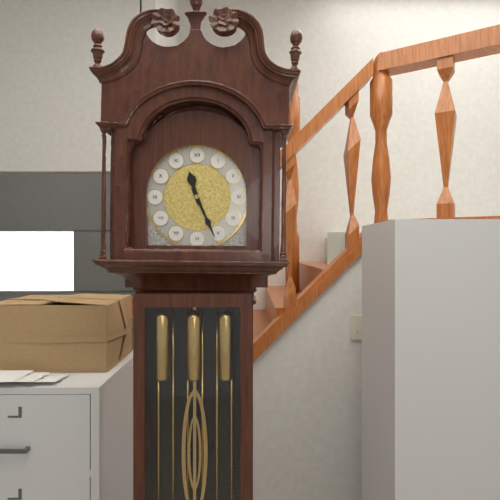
11:26
